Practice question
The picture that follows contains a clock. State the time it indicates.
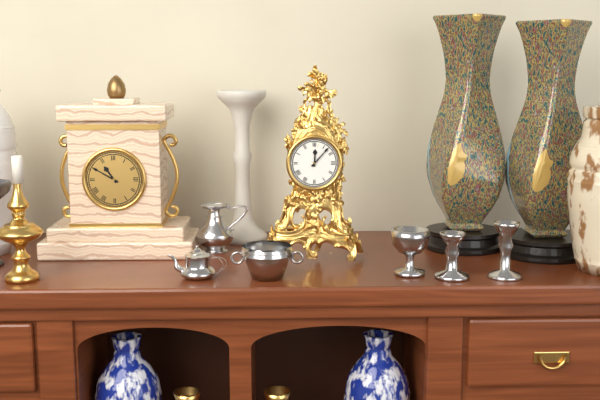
12:07
